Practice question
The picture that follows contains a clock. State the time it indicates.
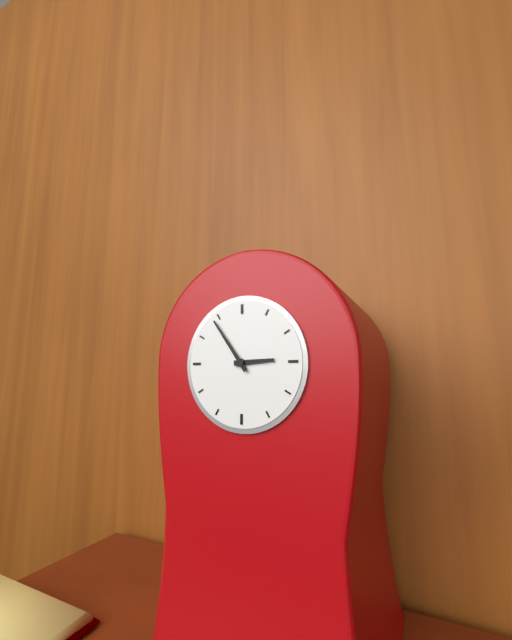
2:54
